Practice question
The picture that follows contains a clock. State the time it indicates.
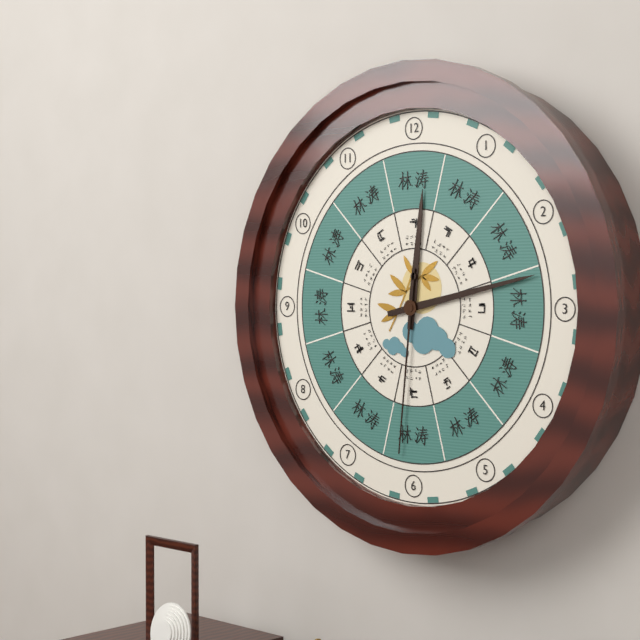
12:13:31
